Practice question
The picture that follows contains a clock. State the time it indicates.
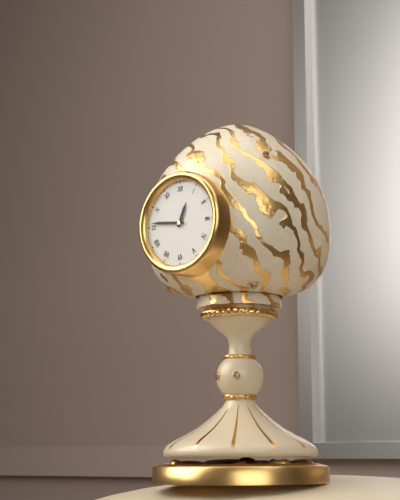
12:46
